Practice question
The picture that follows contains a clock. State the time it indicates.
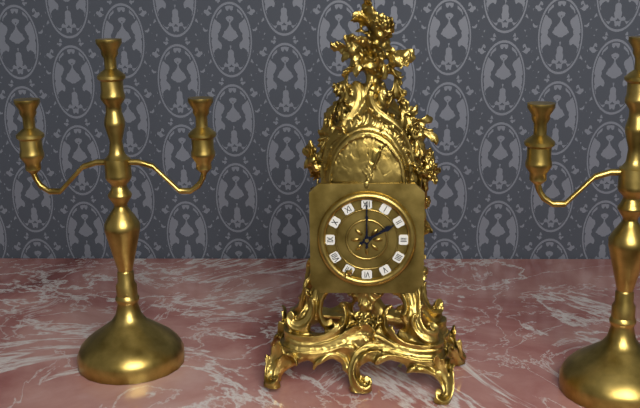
2:00
